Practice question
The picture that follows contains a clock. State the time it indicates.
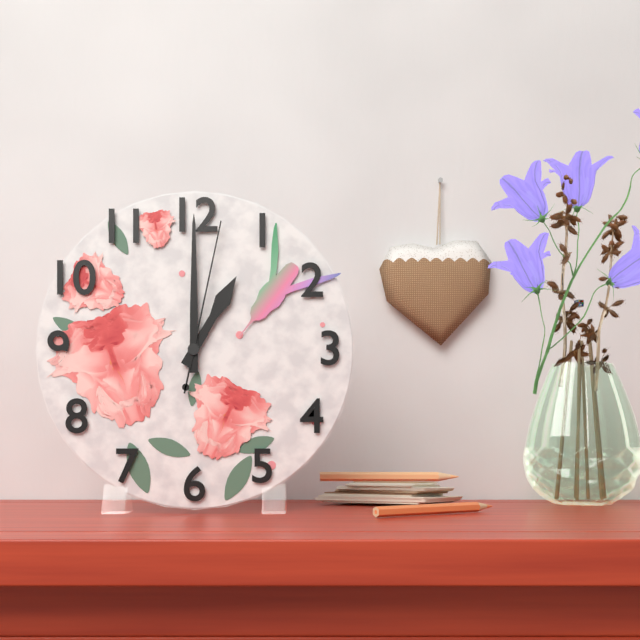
1:00:02
